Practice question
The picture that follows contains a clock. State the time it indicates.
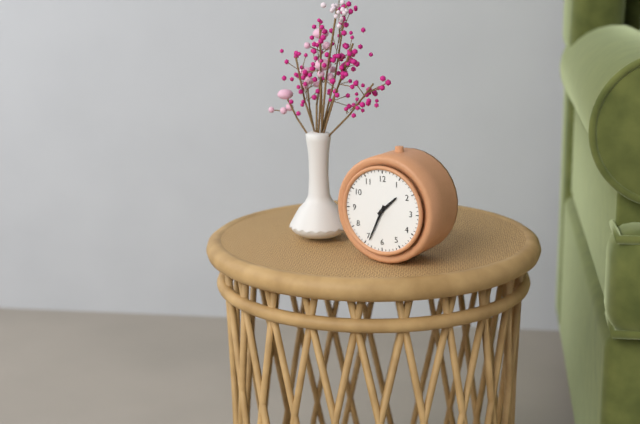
1:34
